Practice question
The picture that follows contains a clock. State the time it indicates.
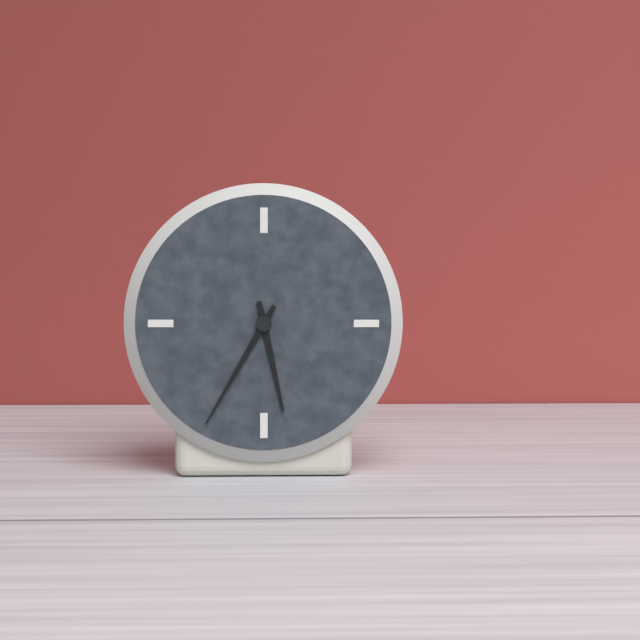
5:35
